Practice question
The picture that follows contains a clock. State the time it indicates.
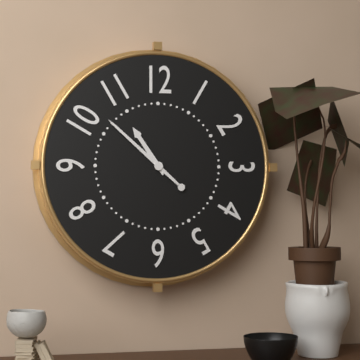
10:52
